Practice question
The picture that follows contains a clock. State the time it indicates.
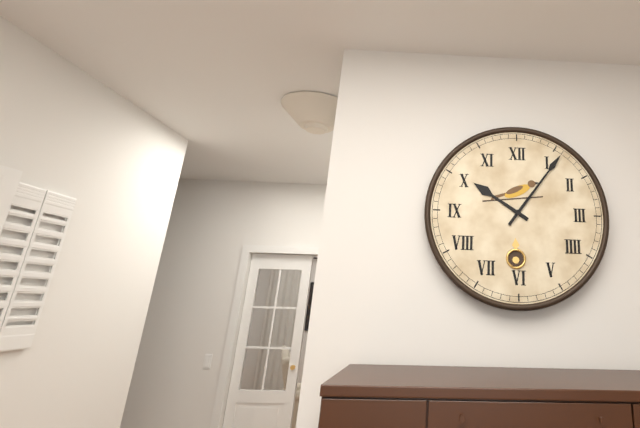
10:06
